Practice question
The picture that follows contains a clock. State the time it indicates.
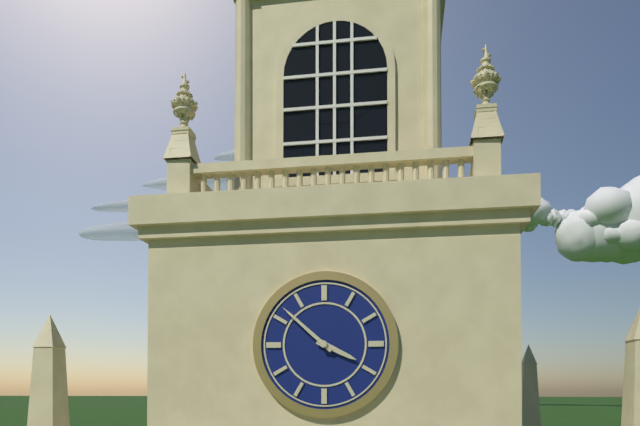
3:52
